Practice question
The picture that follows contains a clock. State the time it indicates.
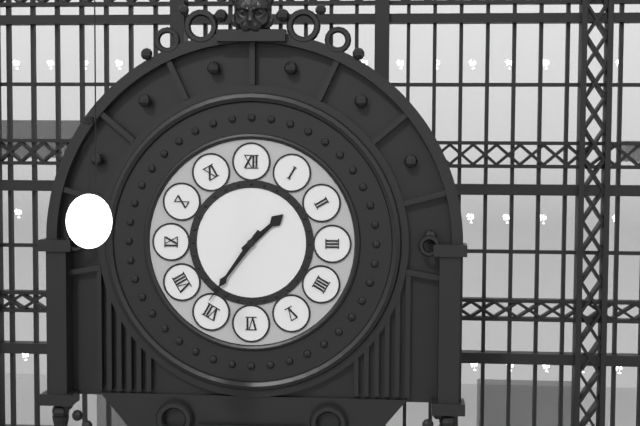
1:36
